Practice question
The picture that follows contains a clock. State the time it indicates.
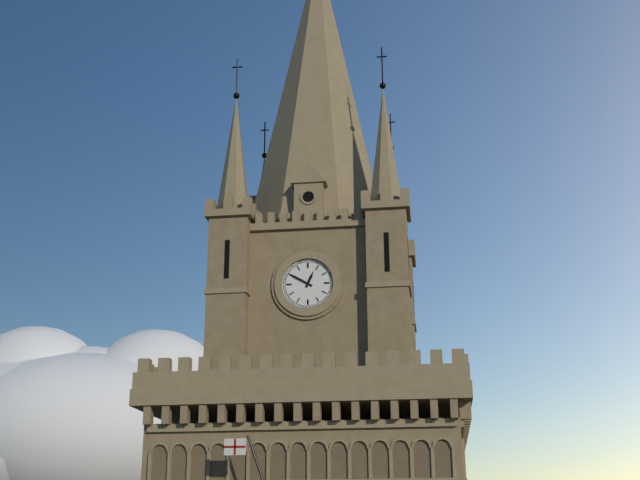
12:50
